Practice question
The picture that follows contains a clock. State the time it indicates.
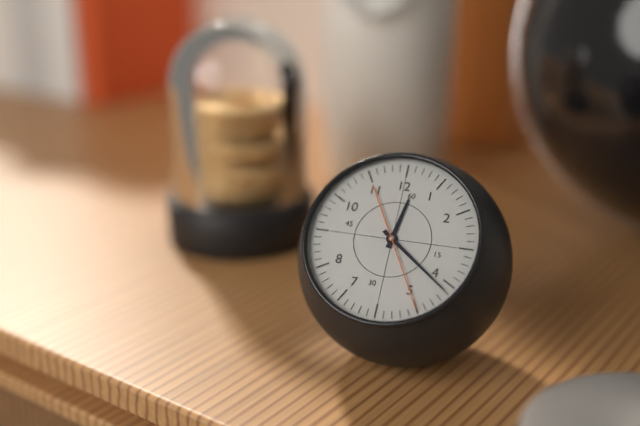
12:21:25
